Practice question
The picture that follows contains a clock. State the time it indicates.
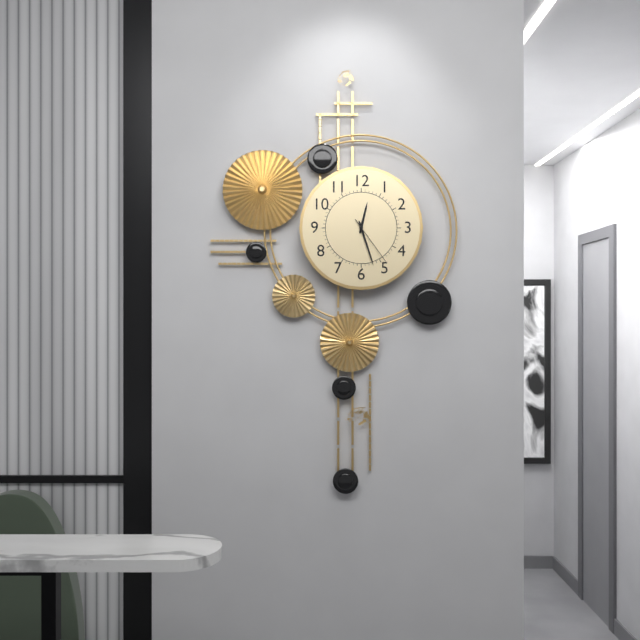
12:27:24
